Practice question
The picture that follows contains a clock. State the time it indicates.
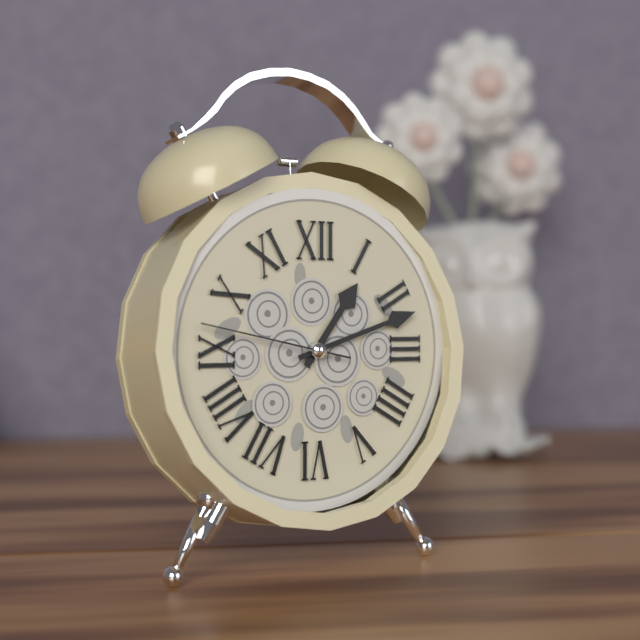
1:12:47
